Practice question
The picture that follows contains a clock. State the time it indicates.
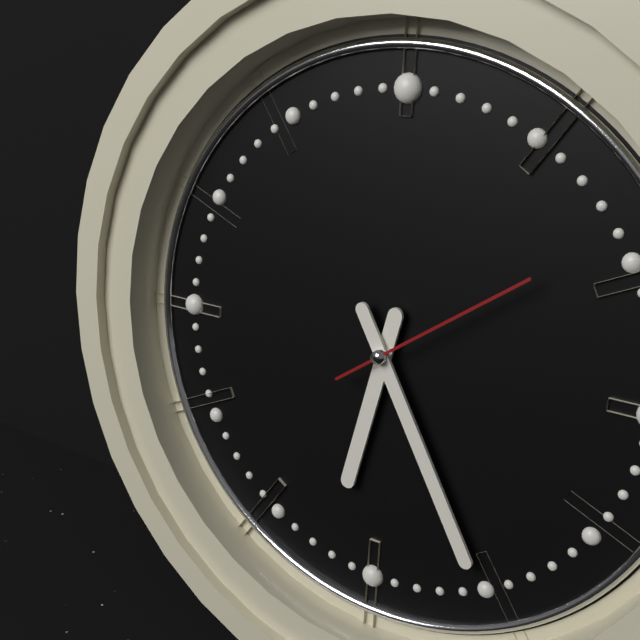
6:25:09
